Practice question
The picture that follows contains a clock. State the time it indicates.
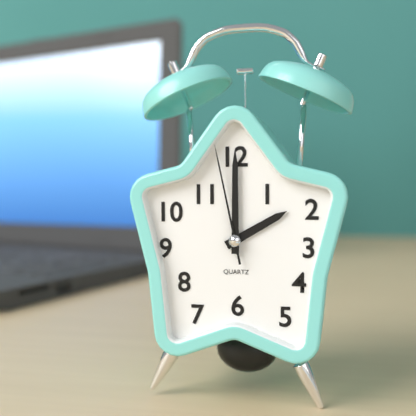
2:00:58
